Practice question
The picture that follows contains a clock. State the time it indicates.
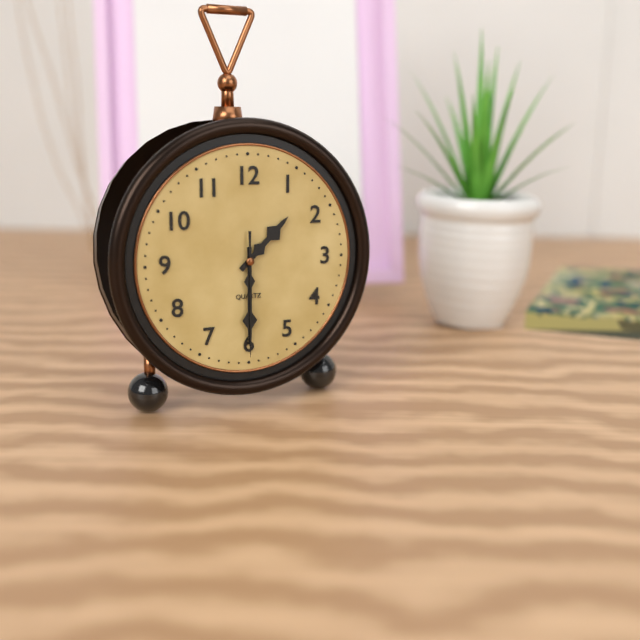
1:30:30
